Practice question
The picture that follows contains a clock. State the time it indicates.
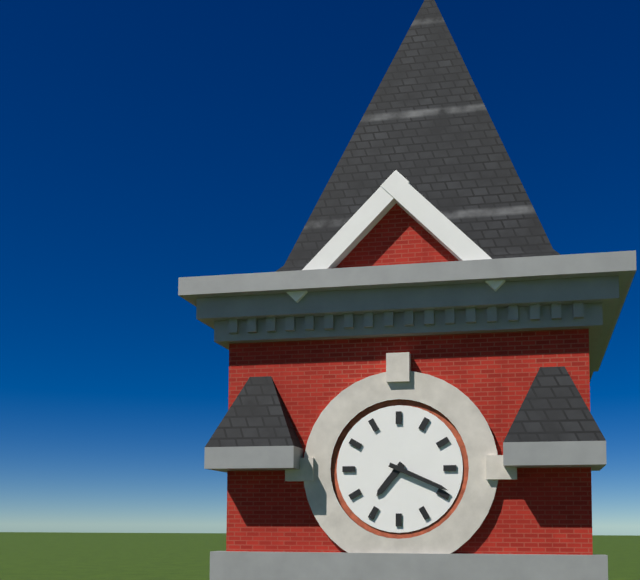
7:19
